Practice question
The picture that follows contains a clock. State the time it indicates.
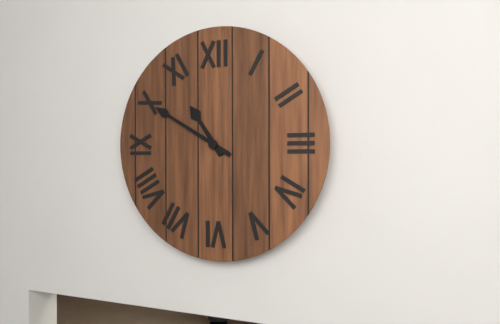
10:50
